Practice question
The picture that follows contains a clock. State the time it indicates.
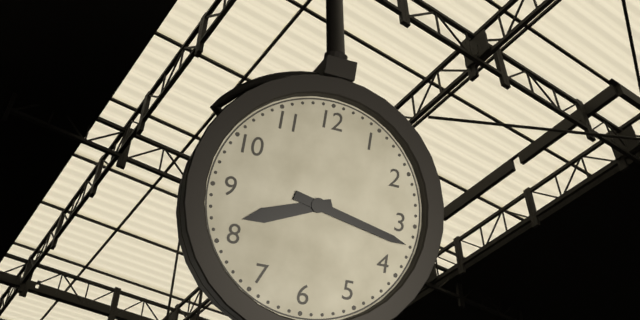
8:17
